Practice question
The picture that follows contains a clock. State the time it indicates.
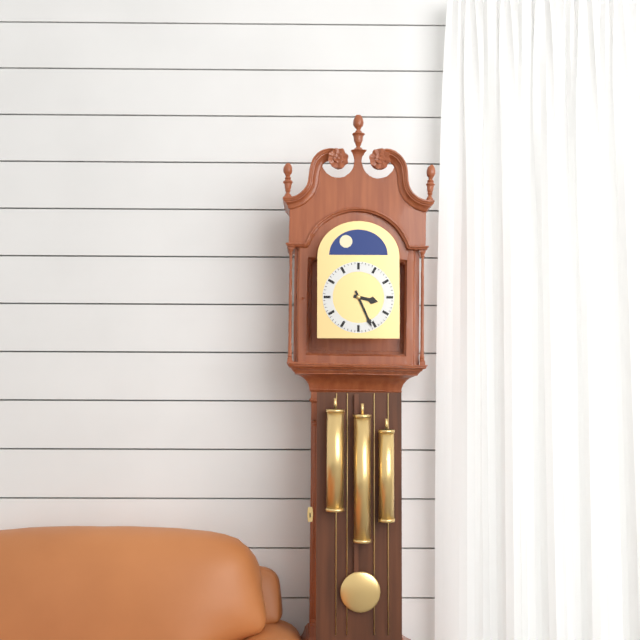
3:26
